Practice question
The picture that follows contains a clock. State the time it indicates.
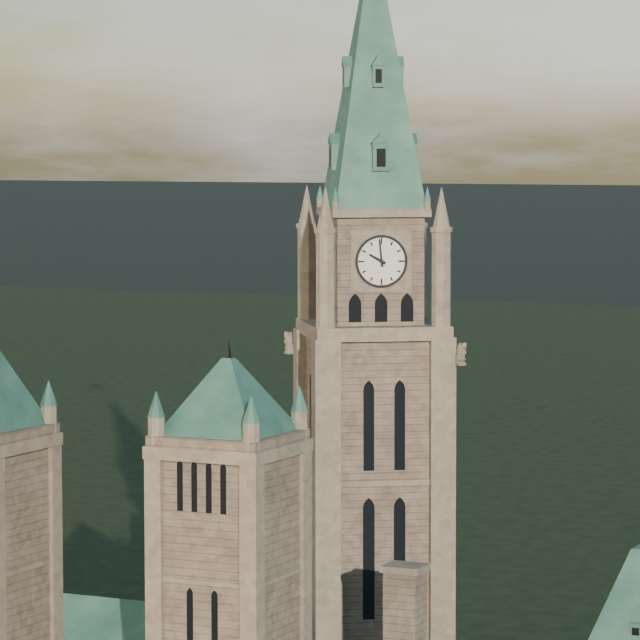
9:59
